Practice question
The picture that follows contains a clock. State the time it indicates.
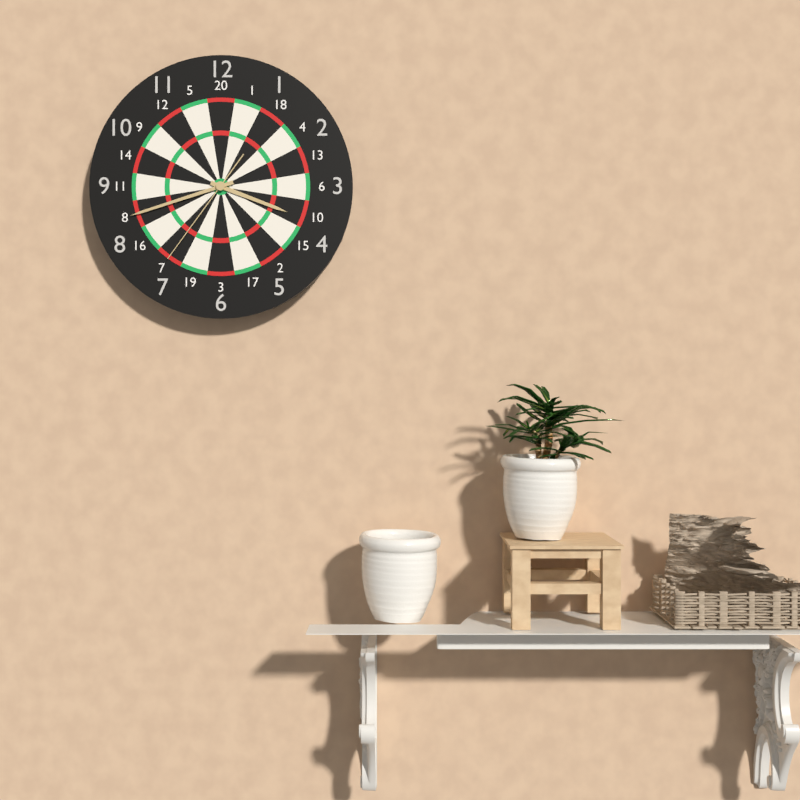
3:42:36
